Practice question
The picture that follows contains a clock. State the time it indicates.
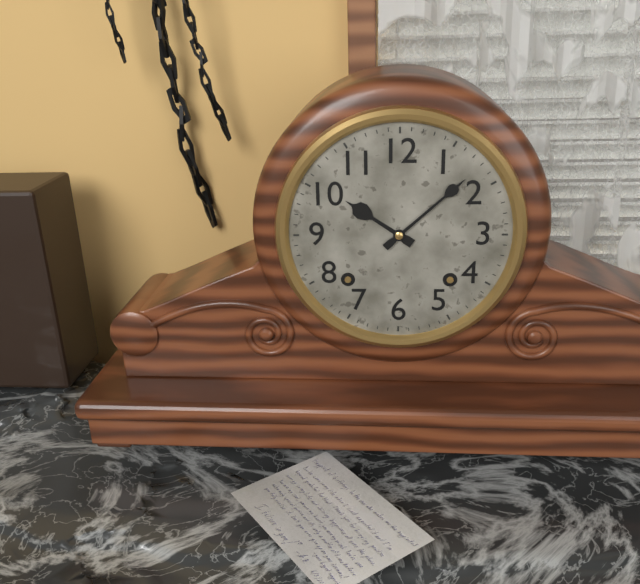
10:08
